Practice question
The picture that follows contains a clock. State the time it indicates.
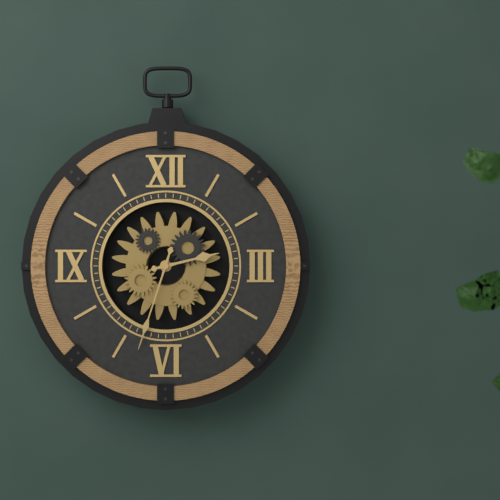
2:33
